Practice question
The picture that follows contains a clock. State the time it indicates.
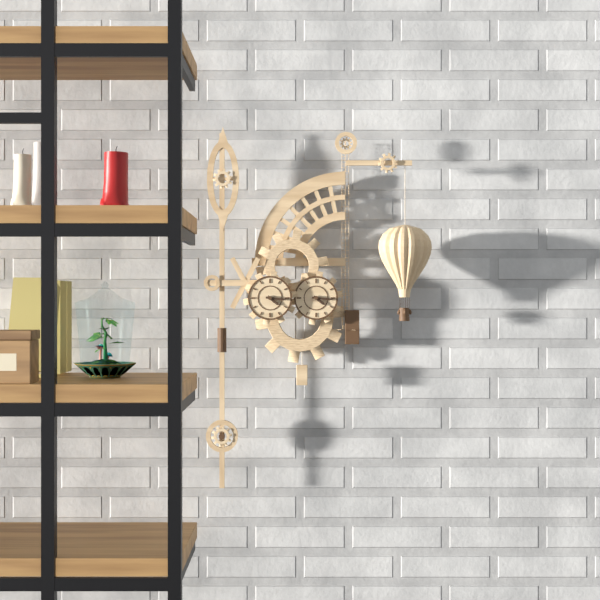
4:16
